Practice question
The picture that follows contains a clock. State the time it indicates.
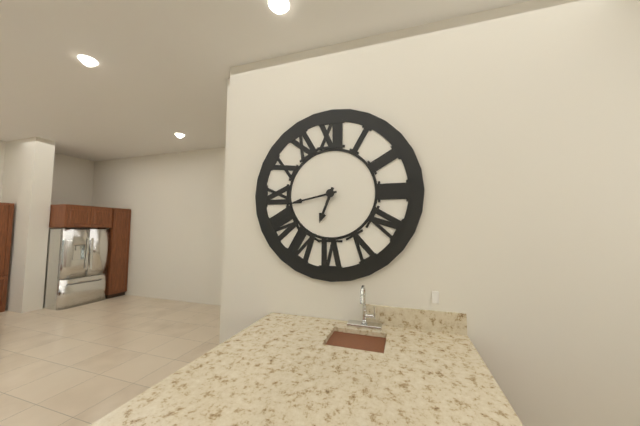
6:43
